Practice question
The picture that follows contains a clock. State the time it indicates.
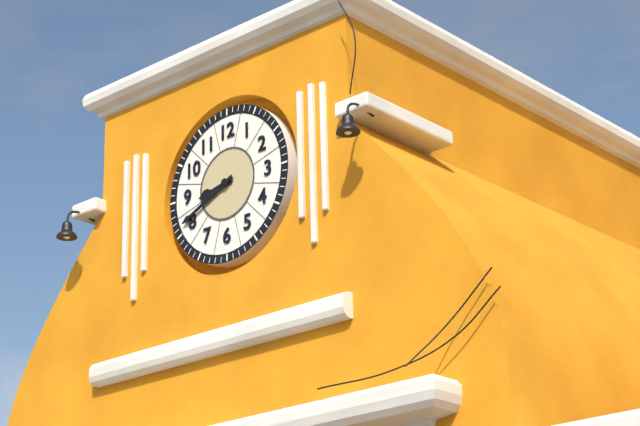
8:41
